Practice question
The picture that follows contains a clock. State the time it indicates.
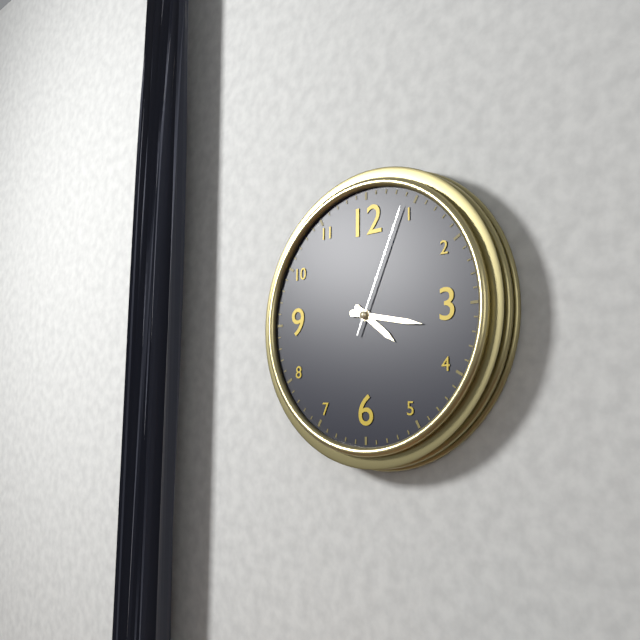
4:17:04
